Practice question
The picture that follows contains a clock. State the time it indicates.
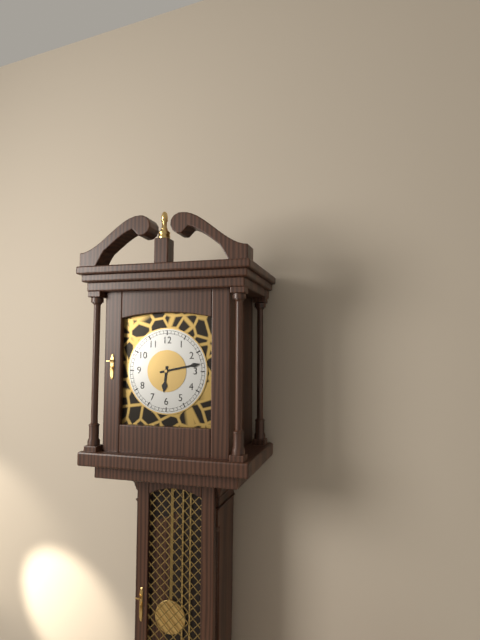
6:13
